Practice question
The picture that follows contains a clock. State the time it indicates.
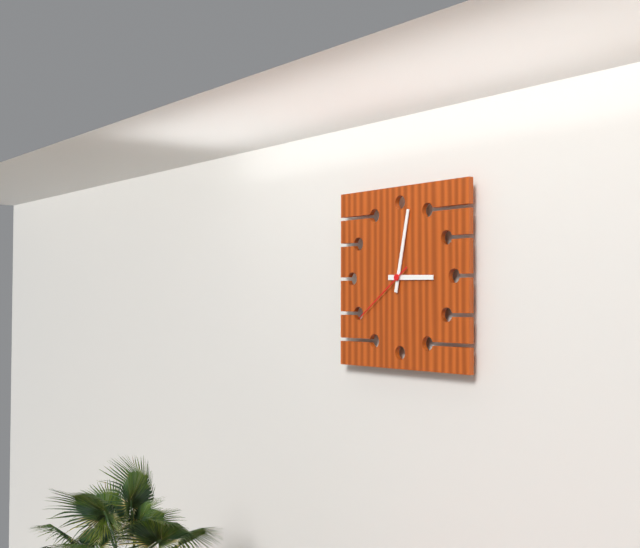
3:02:39
